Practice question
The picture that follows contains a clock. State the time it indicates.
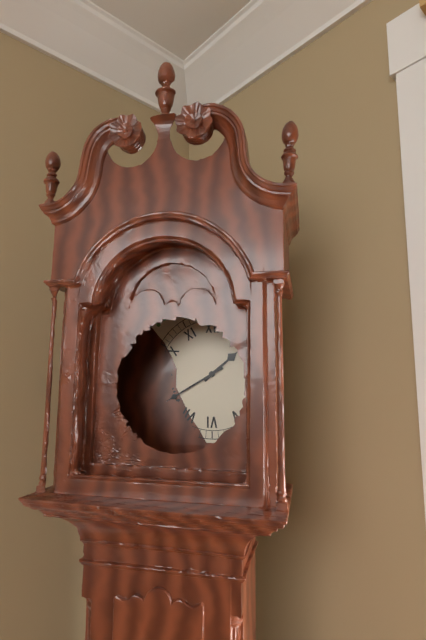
1:40
